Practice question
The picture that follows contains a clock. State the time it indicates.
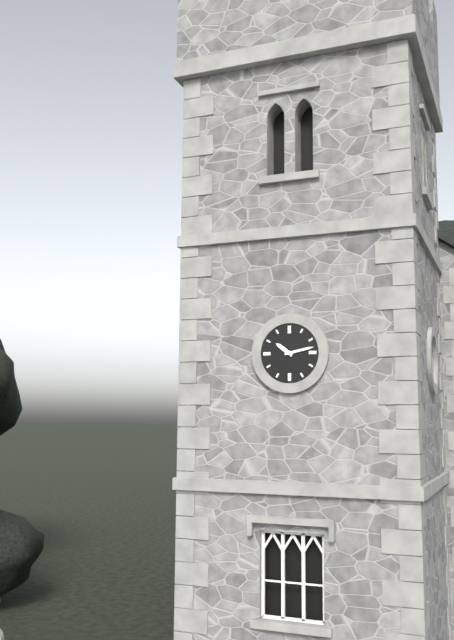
10:13
